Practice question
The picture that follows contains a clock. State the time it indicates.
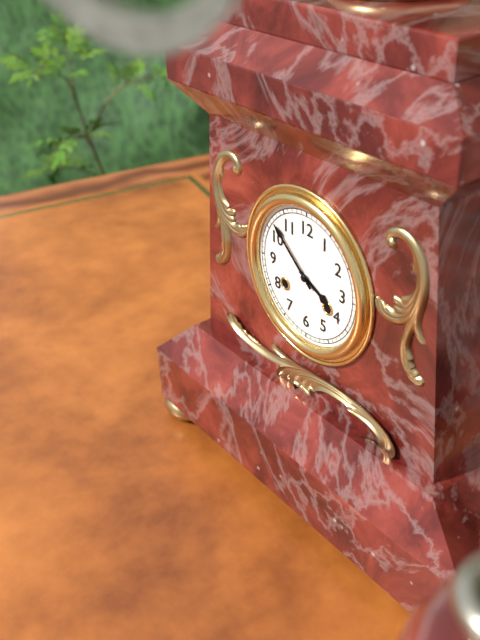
3:52
